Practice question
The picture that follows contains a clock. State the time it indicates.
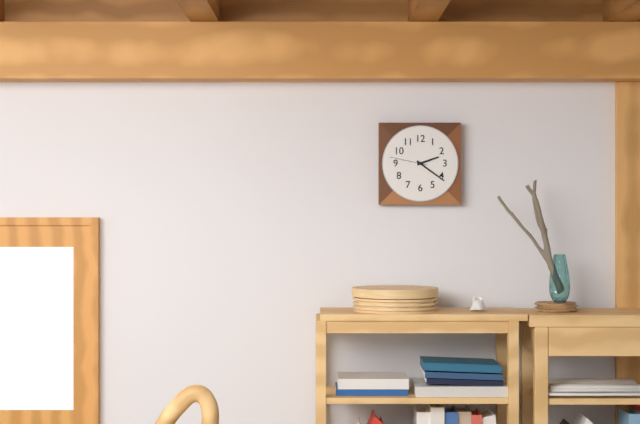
2:21
